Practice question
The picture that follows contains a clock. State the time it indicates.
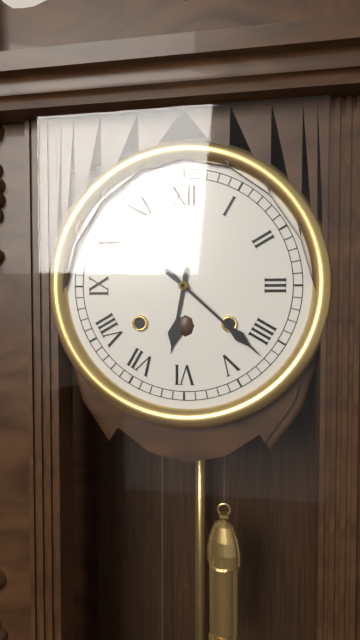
6:22
